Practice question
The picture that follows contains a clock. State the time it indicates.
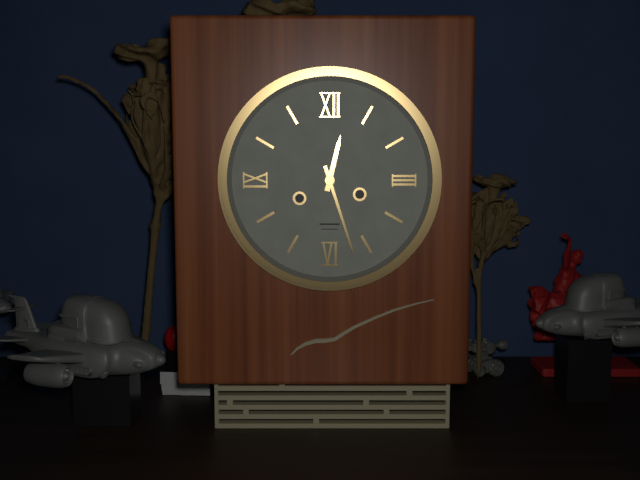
12:27
